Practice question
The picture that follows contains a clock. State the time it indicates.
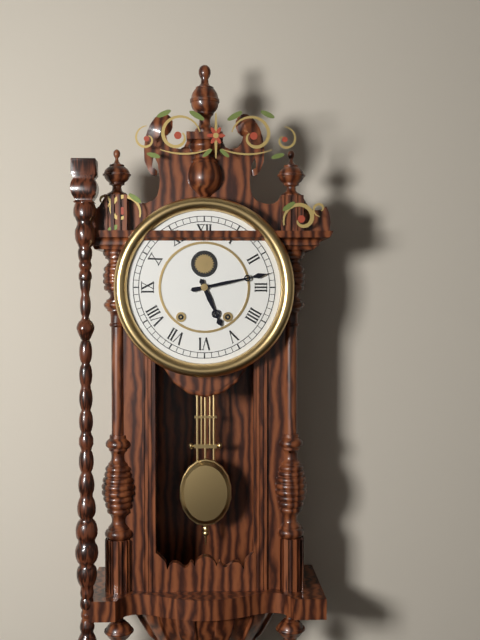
5:13
